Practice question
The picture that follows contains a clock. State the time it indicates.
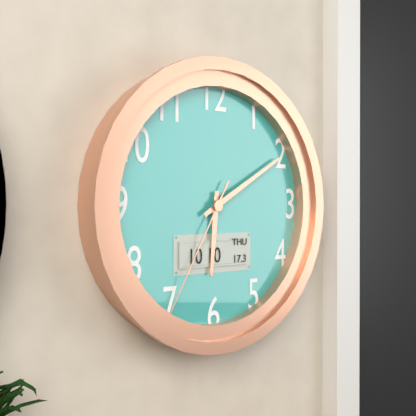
6:10:35
